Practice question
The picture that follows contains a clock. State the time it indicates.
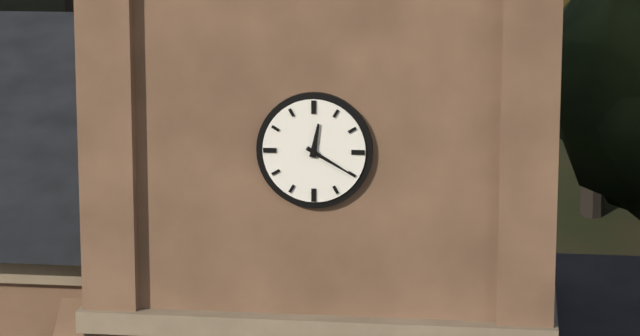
12:20
